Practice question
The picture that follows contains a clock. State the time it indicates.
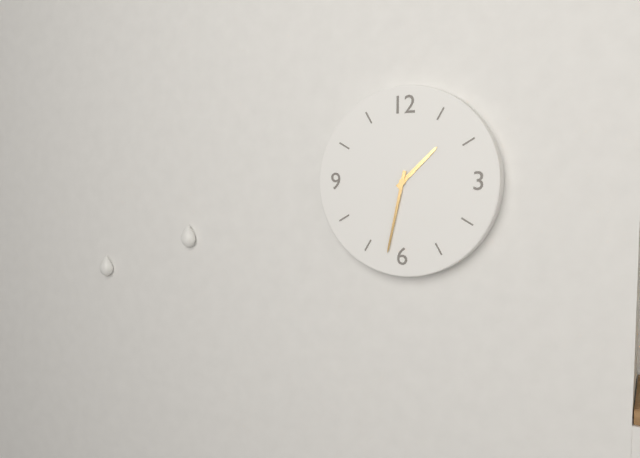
1:32
